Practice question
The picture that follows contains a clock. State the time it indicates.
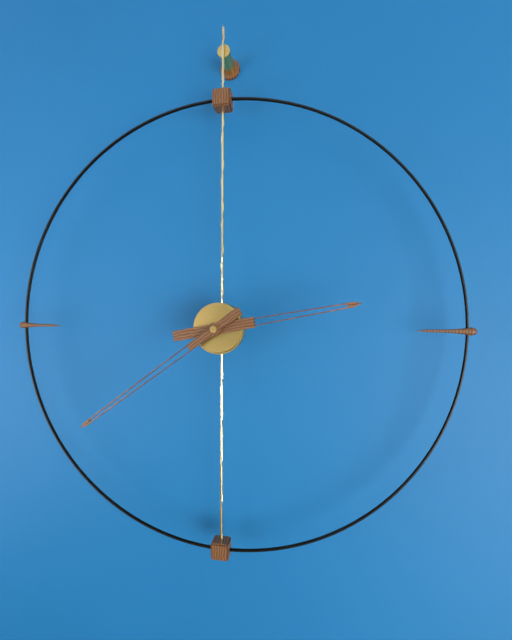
2:39
